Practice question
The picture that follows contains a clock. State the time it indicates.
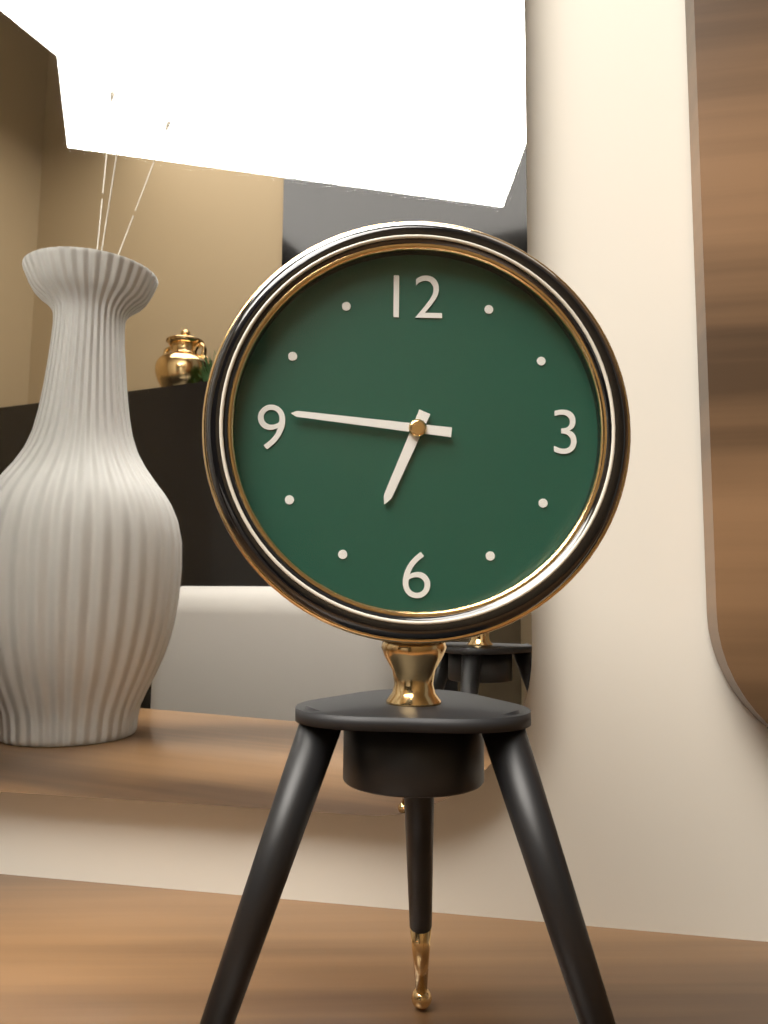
6:46
